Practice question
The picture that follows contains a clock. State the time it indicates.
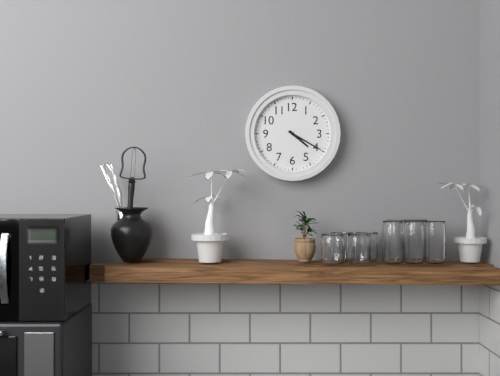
4:20
